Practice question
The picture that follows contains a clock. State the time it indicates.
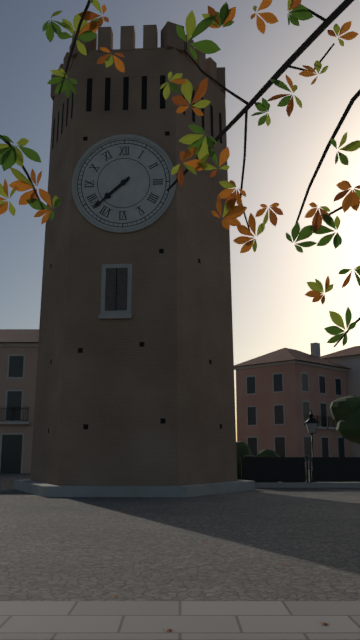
7:38
